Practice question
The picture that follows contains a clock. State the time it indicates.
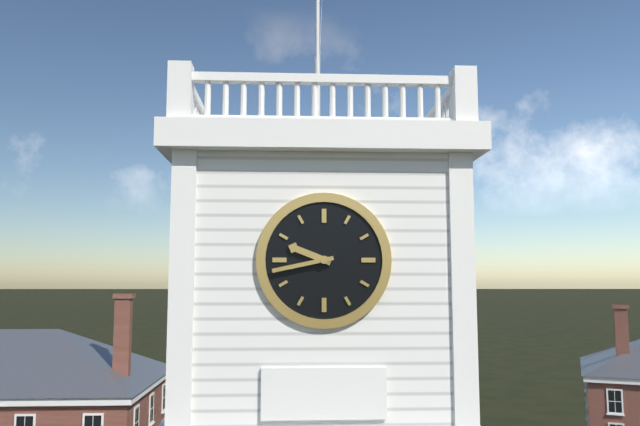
9:43
